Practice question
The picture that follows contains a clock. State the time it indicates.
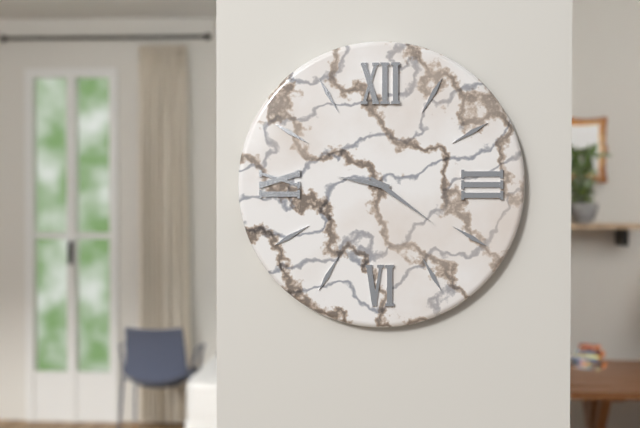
9:21
